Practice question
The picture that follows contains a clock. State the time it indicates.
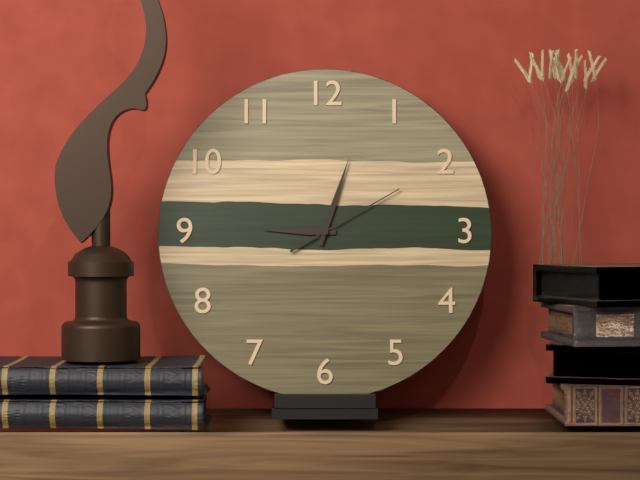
9:03:10
